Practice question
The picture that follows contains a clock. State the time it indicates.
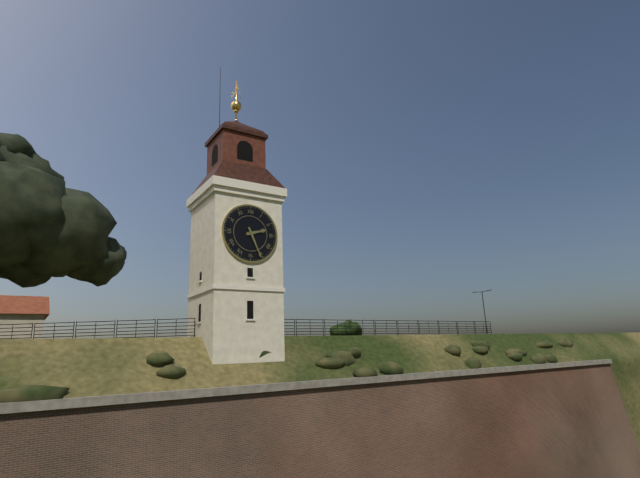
2:26
